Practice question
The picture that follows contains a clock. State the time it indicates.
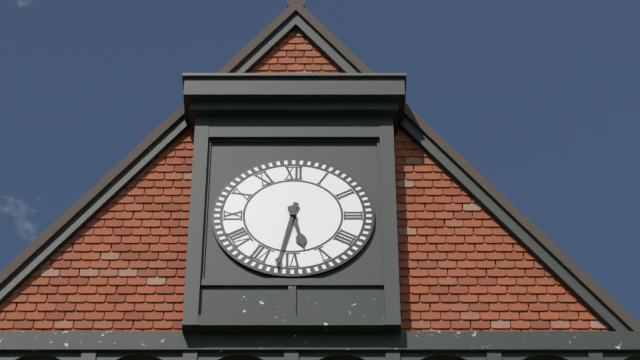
5:32
